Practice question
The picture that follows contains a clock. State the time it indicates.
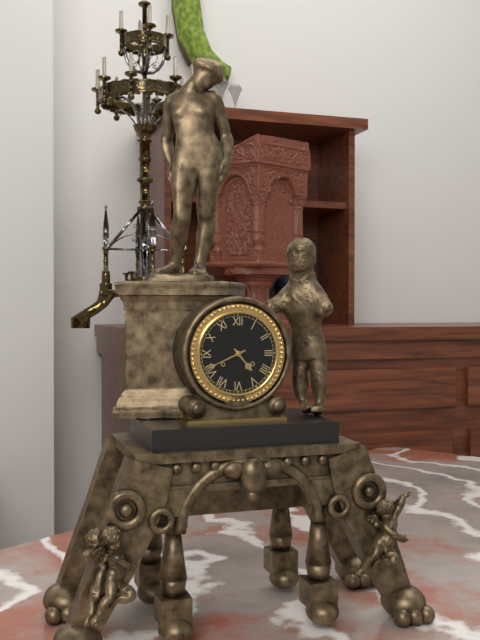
4:41
